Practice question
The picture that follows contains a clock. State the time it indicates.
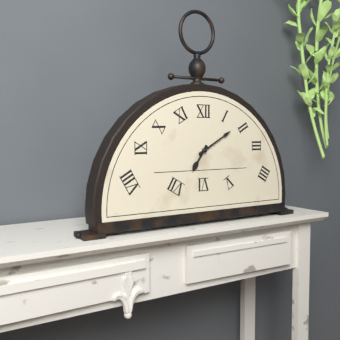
7:10
